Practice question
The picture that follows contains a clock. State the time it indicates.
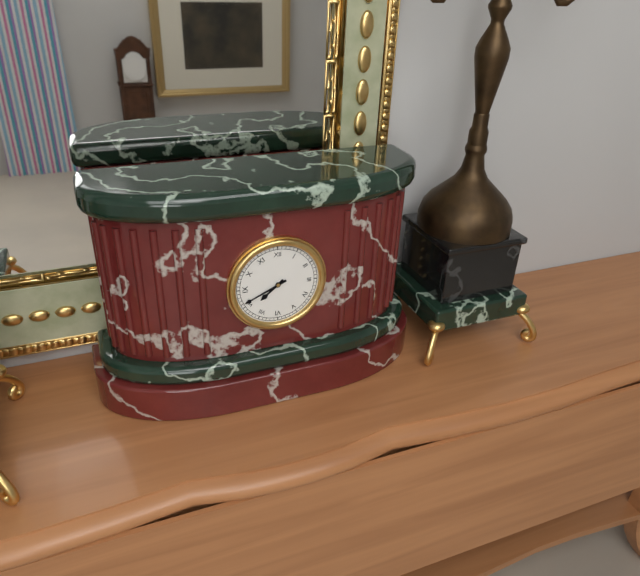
7:41
